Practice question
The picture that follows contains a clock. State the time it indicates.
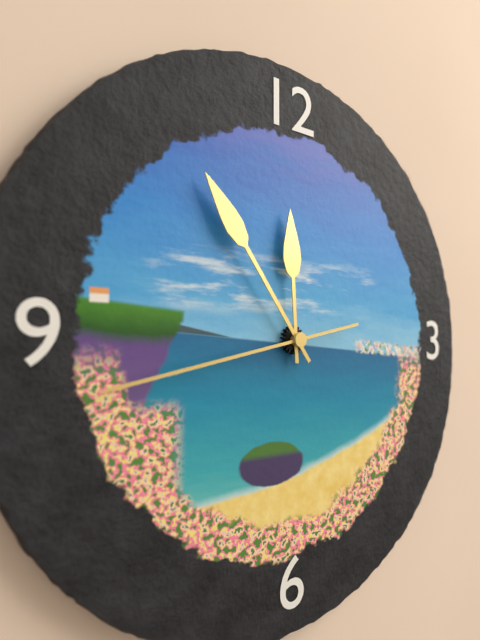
11:54:43
